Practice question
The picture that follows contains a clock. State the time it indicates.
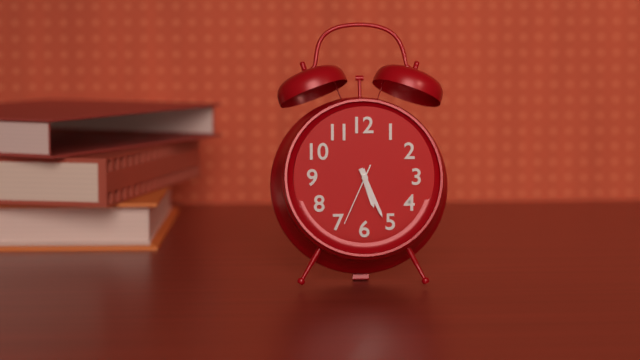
5:26:34
